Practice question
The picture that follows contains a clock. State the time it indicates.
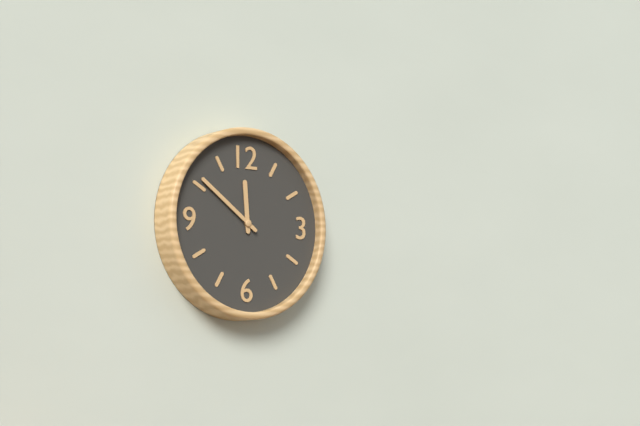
11:51
